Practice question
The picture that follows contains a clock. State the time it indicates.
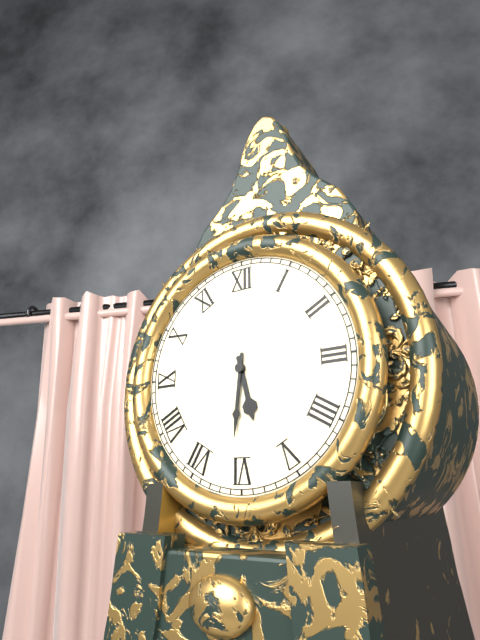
5:31
